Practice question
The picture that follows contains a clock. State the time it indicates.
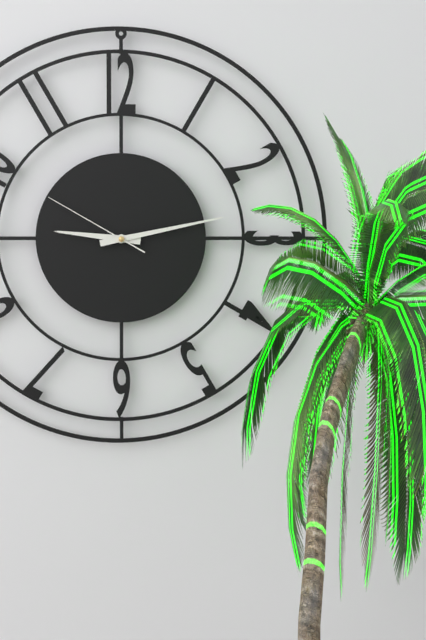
9:13:50
